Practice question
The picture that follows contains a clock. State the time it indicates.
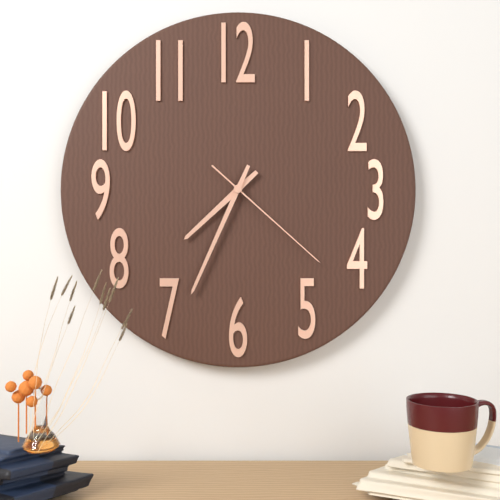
7:34:22
